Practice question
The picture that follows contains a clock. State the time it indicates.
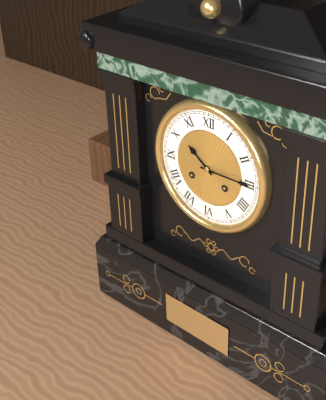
10:15
